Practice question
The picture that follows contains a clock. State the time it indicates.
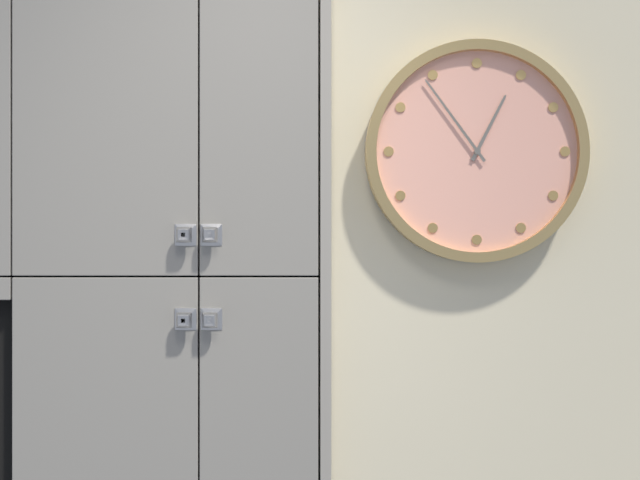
12:54
